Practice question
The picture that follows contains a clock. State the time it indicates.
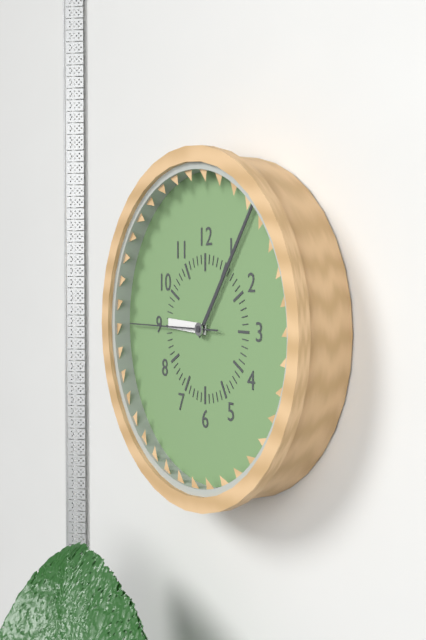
9:06:45
